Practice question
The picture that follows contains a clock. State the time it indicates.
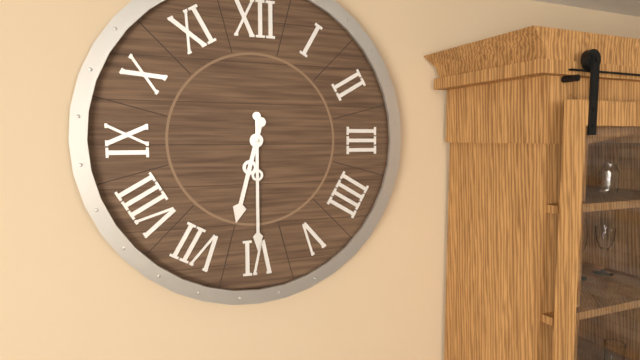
6:30
